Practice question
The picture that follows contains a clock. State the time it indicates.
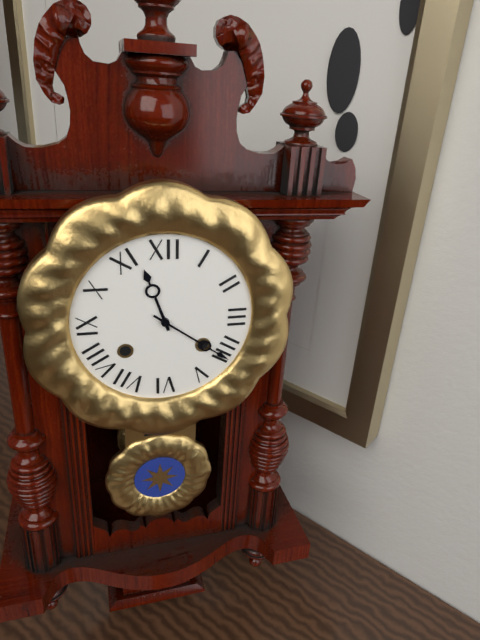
11:21
